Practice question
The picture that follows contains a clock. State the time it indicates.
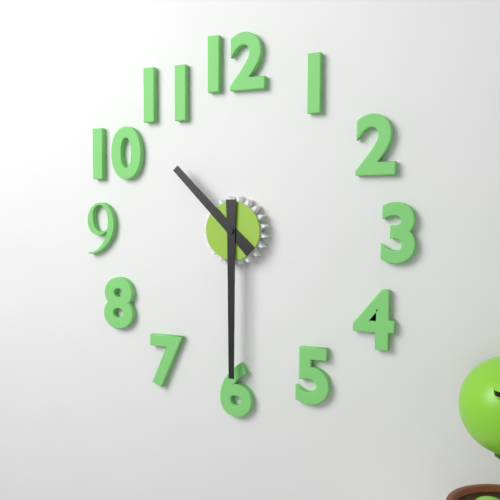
10:30
